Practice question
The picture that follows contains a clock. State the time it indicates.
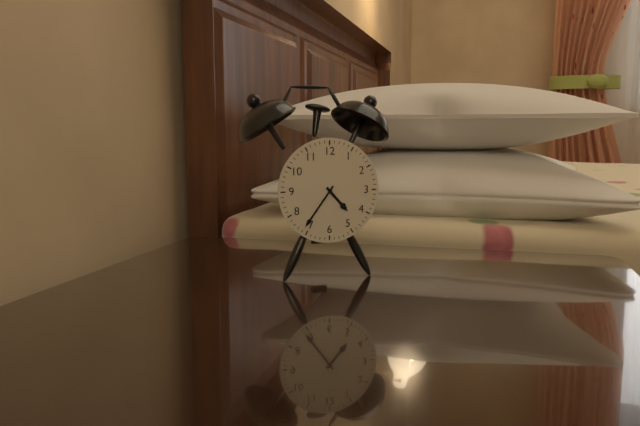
4:36
